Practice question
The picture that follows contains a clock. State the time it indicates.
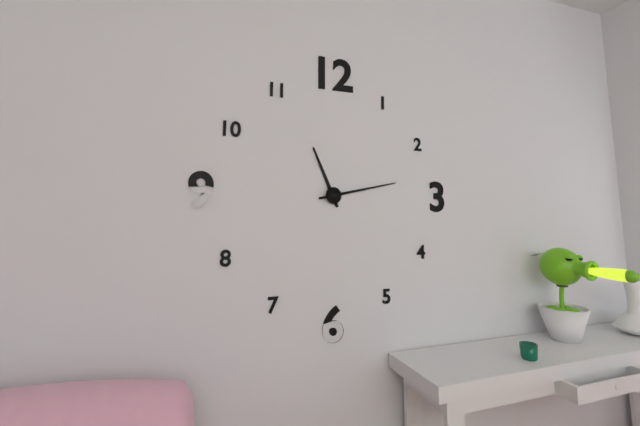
11:13
